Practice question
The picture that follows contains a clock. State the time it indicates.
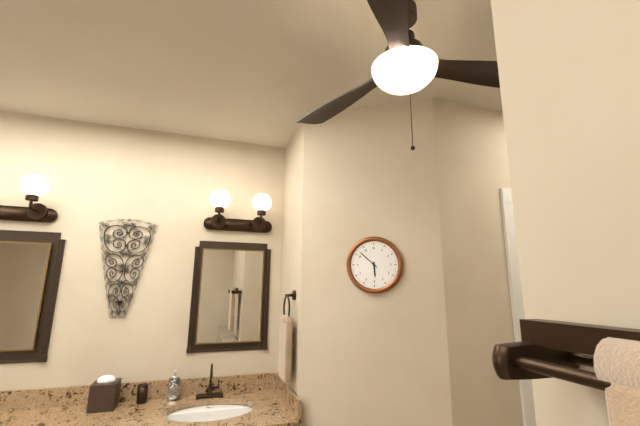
5:52
